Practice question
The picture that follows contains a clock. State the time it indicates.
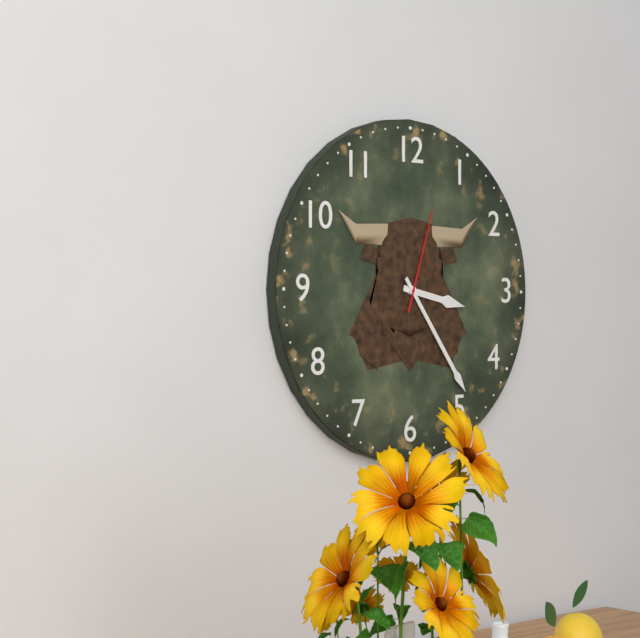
3:24:03
